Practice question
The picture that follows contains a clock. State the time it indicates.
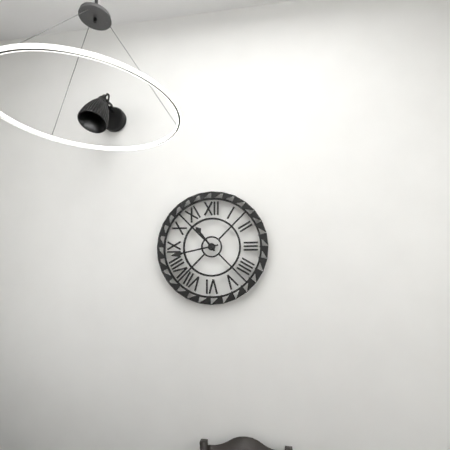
10:43
